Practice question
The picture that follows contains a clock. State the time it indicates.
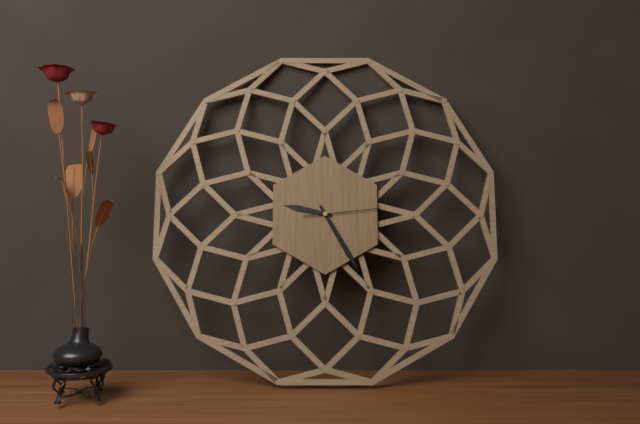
9:25:14
